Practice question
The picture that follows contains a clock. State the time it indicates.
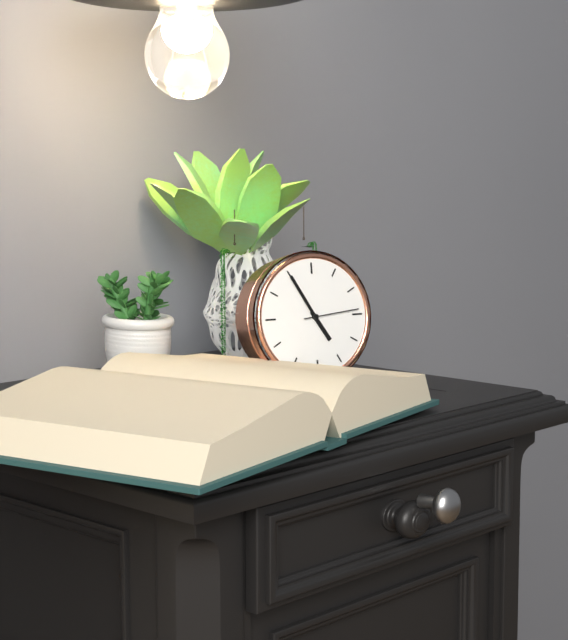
4:55:14
